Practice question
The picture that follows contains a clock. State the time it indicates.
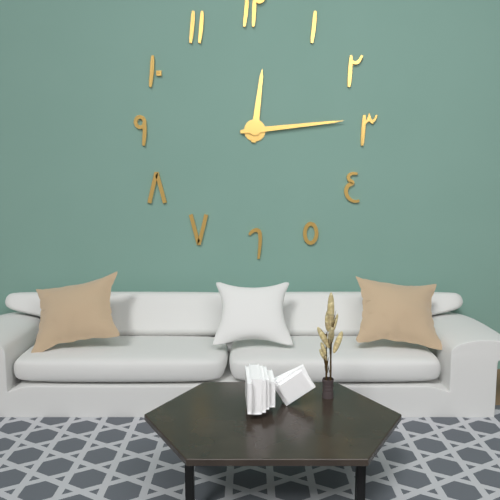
12:14
